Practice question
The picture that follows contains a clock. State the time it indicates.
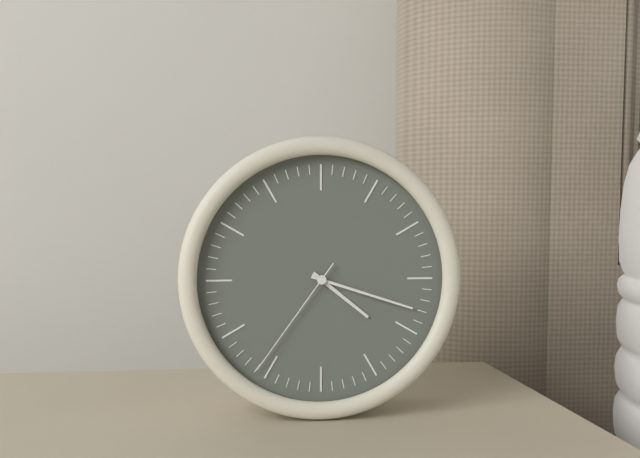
4:18:36
